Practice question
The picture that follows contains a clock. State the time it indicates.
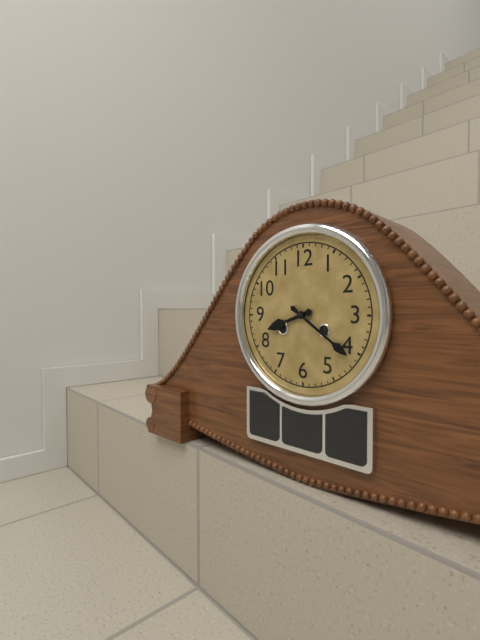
8:21
